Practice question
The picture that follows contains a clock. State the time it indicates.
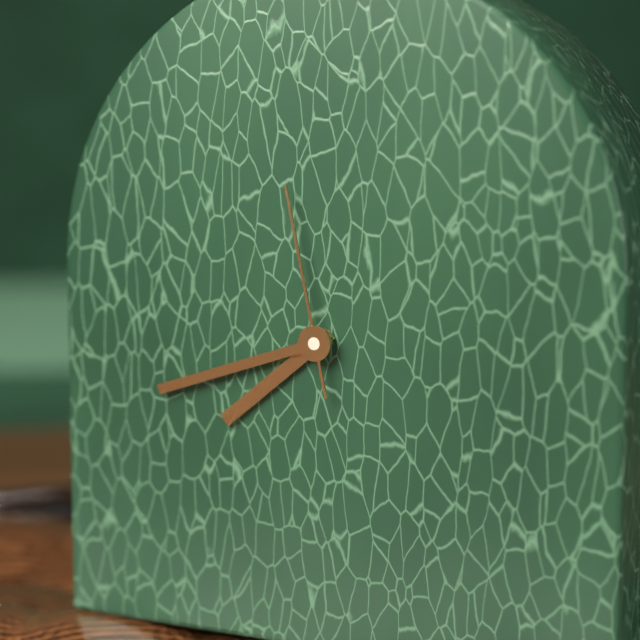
7:42:58
